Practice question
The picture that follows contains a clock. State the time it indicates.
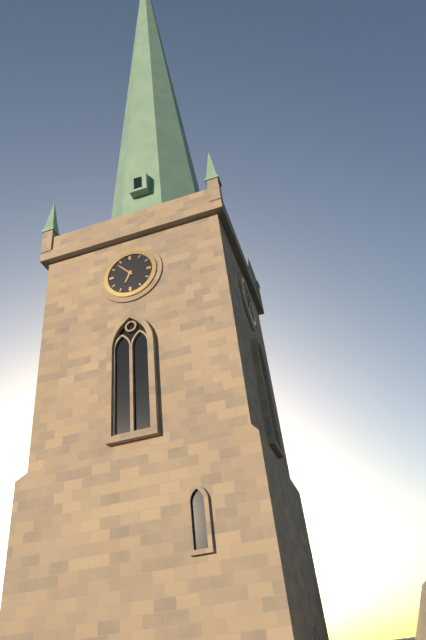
6:53
